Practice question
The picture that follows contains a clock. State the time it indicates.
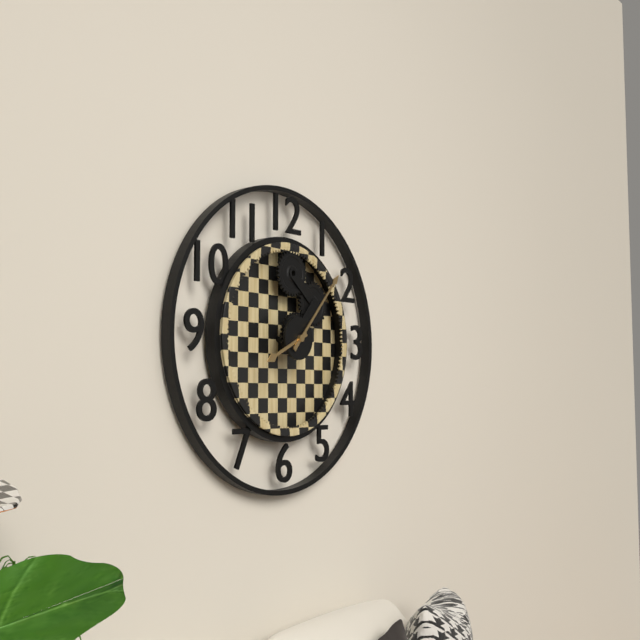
8:07
